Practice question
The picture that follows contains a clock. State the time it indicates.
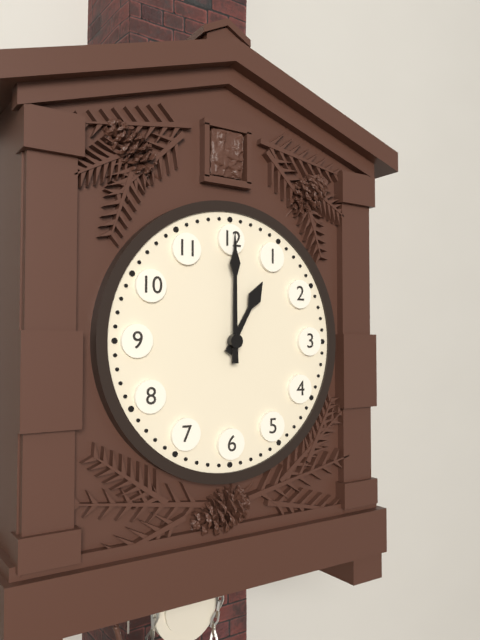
1:00
